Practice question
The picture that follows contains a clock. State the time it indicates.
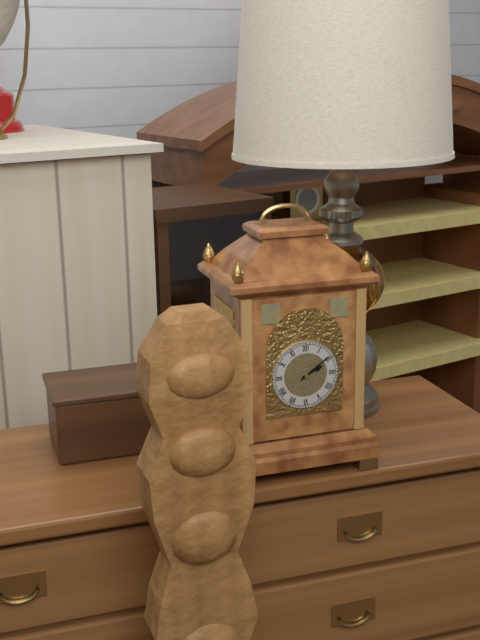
2:09
